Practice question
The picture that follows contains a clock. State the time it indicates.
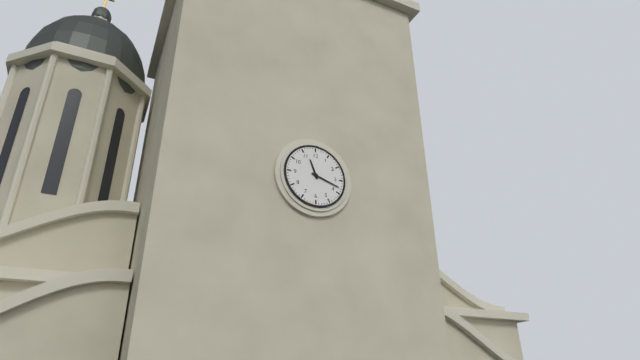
11:18
